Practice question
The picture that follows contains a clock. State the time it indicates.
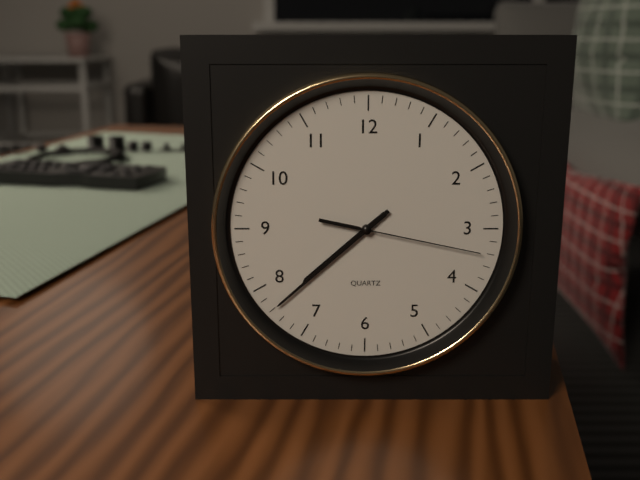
7:38:17
